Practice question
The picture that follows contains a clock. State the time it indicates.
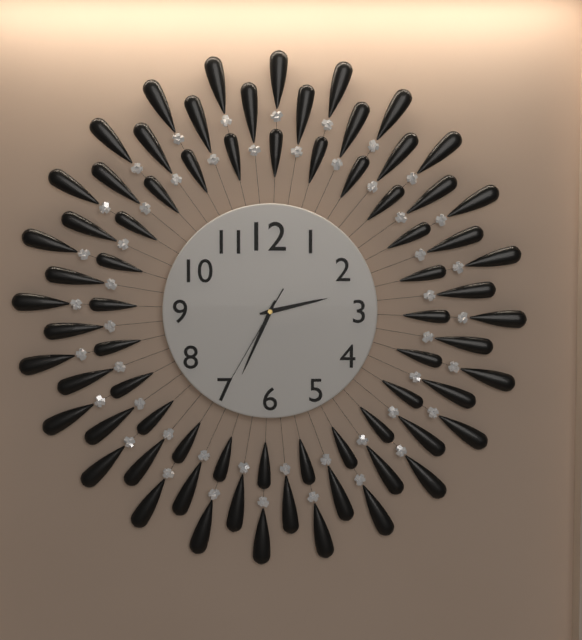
2:34:35
